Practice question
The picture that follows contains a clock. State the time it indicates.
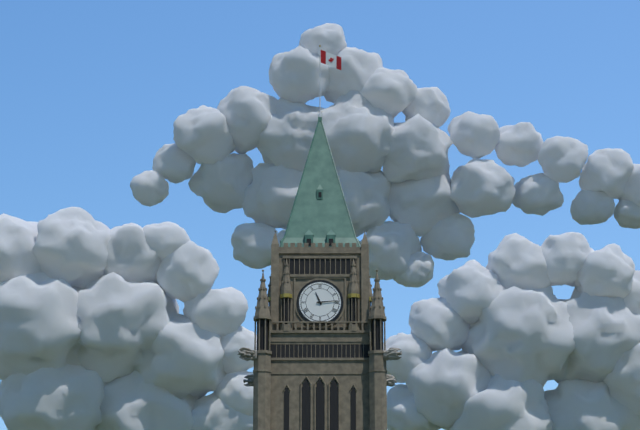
11:14
